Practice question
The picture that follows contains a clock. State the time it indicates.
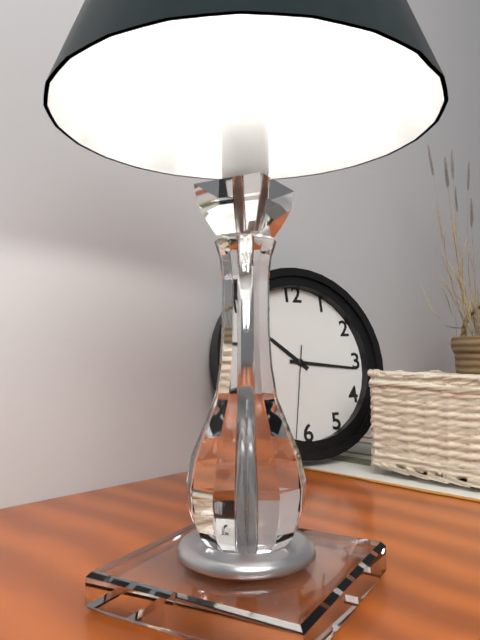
10:16:32
